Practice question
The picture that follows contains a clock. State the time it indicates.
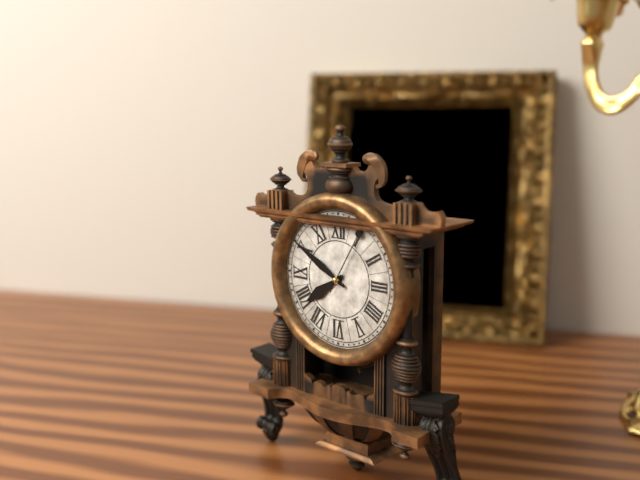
7:50:05
